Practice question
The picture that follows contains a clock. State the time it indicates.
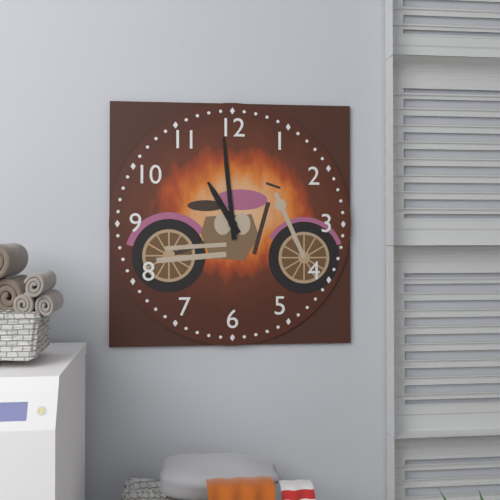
10:59
